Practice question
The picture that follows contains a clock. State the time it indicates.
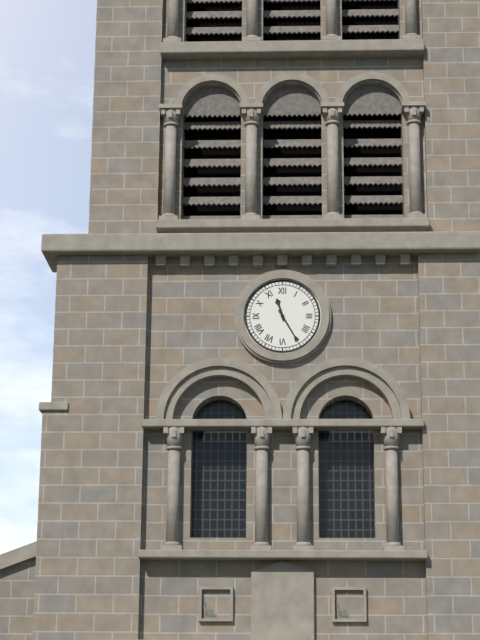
11:25
